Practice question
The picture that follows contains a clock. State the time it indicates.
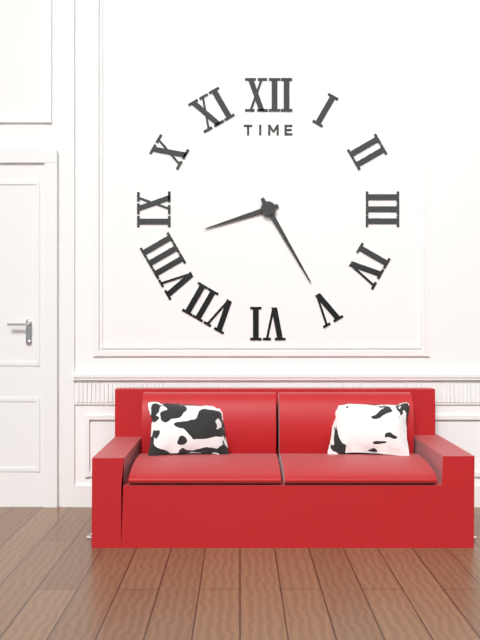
8:25
